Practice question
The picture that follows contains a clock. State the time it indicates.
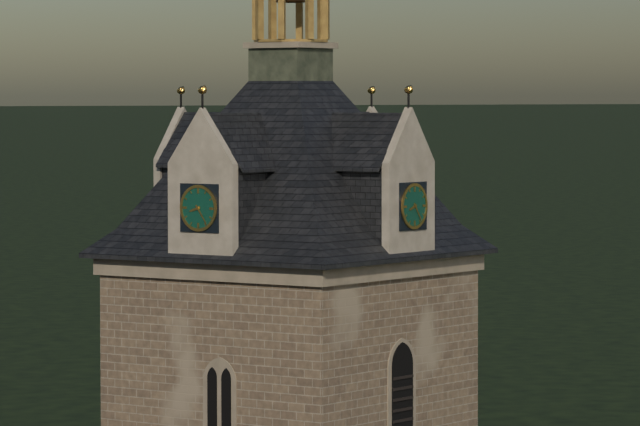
8:24
